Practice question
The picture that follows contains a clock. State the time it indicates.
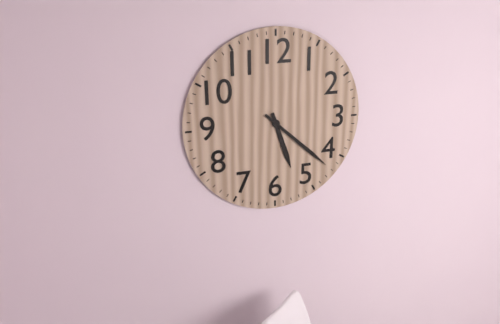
5:22
